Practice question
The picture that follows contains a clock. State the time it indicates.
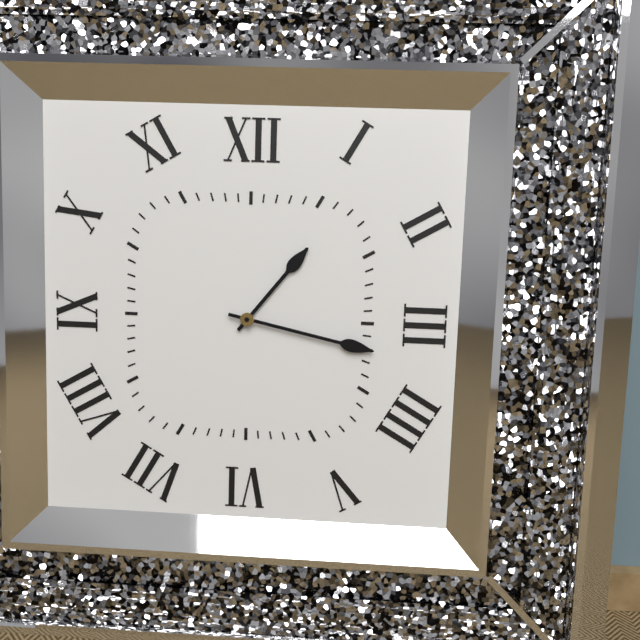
1:17
